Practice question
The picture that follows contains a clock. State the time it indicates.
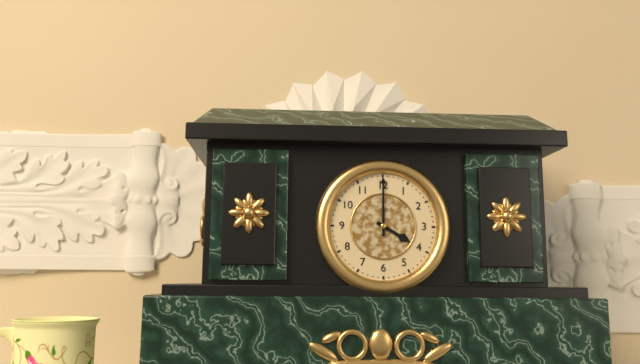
4:00
